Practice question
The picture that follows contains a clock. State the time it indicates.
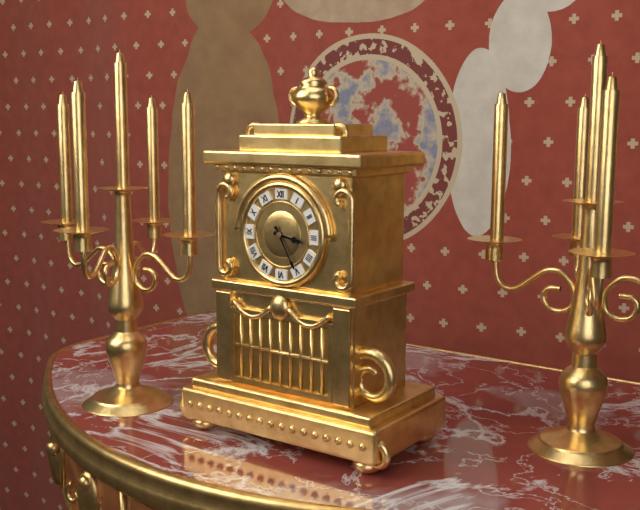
3:25
